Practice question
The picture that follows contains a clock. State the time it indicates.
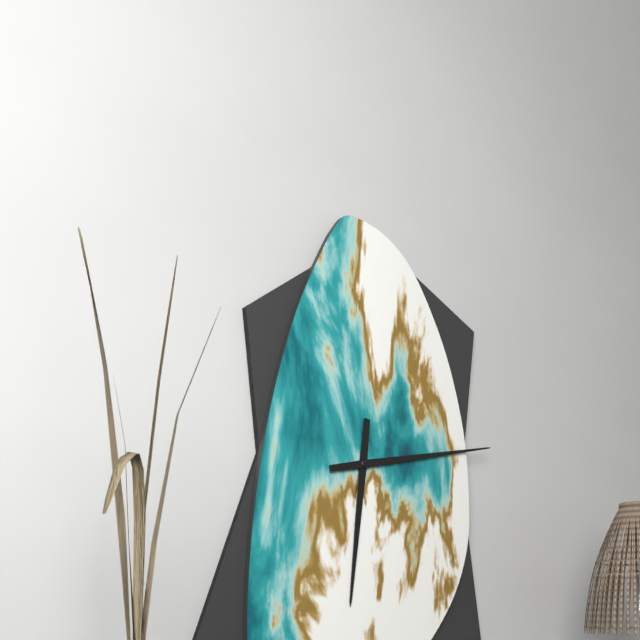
6:13
